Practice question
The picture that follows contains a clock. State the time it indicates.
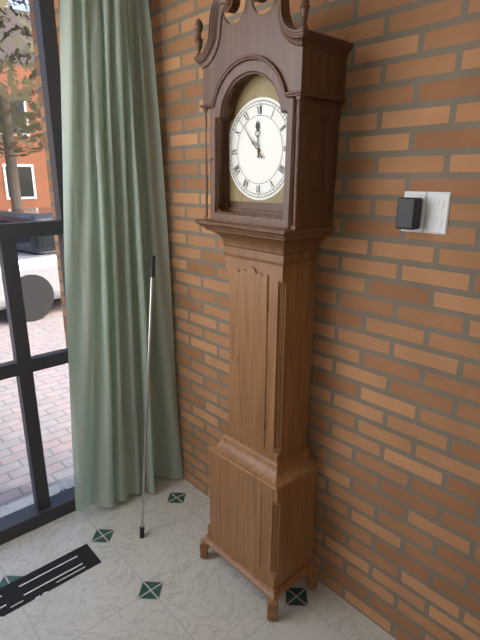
11:53
